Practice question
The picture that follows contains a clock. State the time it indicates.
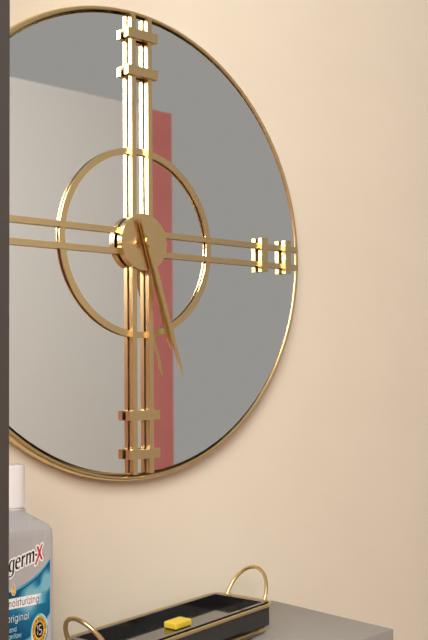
5:27
